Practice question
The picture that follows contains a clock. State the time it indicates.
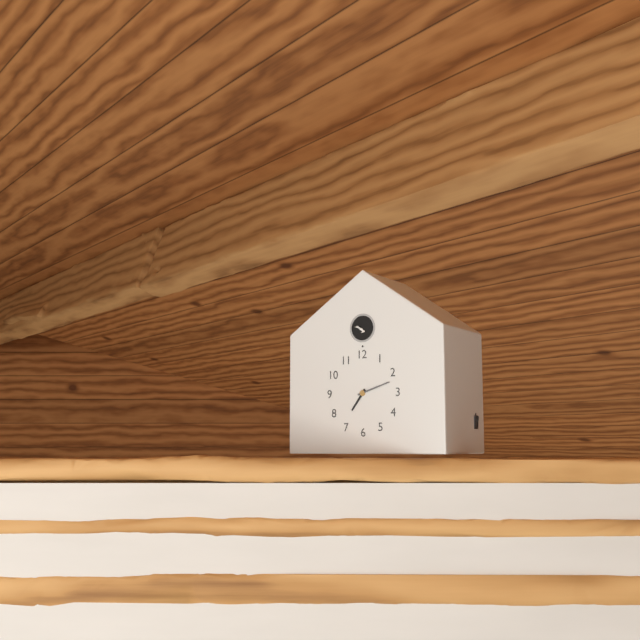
7:12
